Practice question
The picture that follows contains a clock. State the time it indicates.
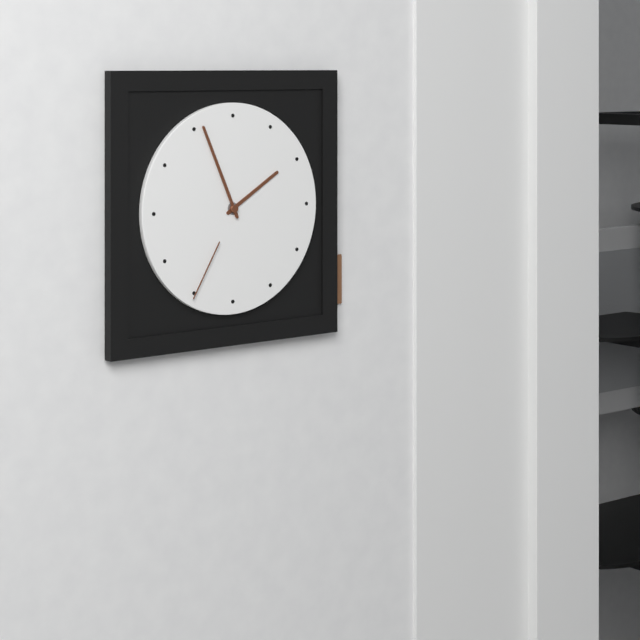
1:56:35
